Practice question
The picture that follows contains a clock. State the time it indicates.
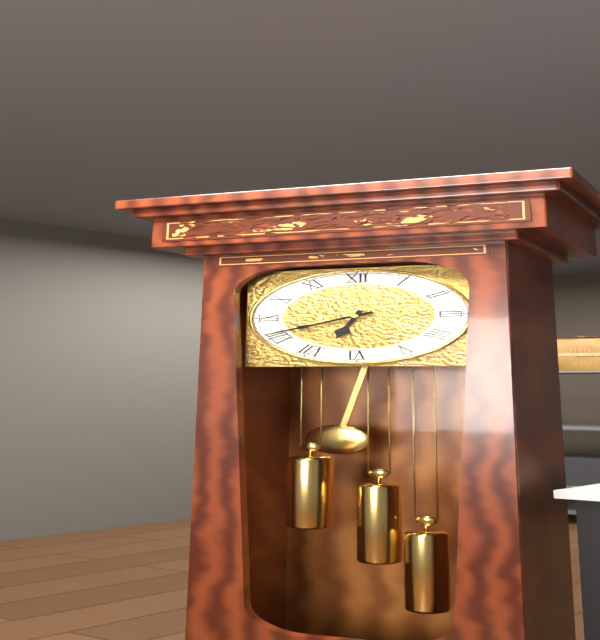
6:41
